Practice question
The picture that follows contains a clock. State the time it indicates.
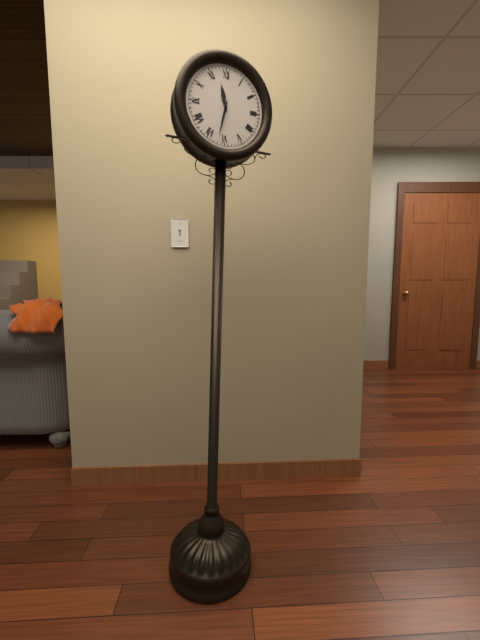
11:32
